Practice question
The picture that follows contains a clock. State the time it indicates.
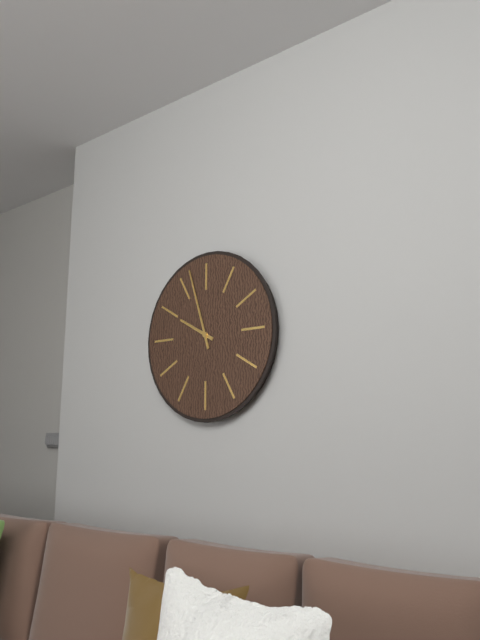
9:57
